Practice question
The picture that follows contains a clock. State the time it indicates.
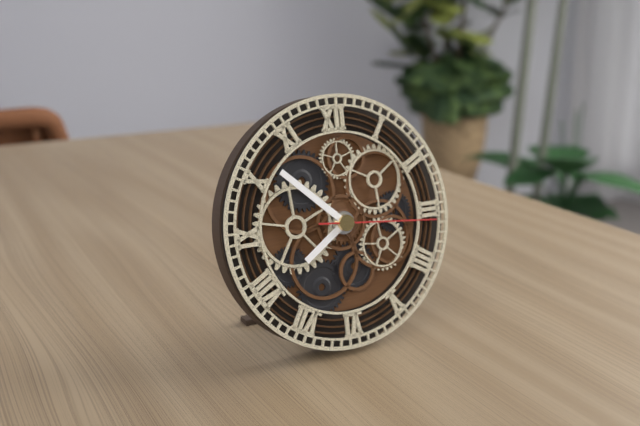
7:52:16
